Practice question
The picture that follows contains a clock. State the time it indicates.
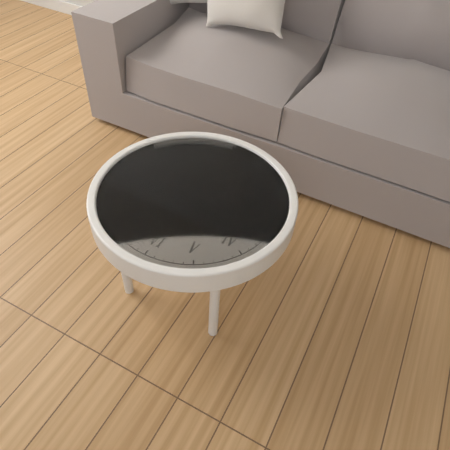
9:38
